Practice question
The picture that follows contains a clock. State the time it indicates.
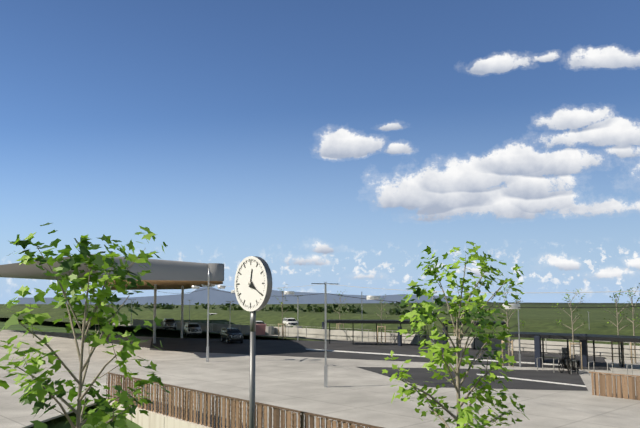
12:20
